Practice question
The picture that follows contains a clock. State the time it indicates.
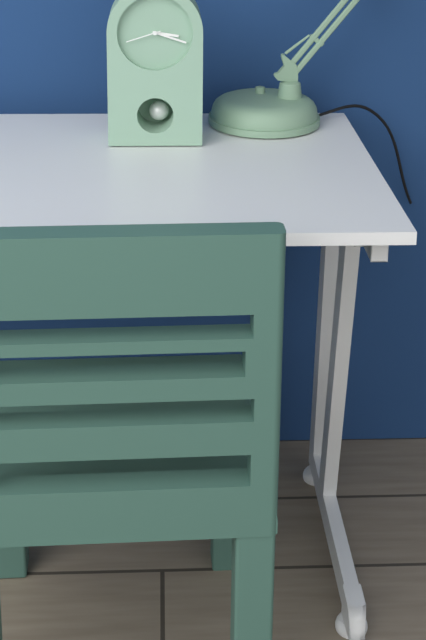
3:18
